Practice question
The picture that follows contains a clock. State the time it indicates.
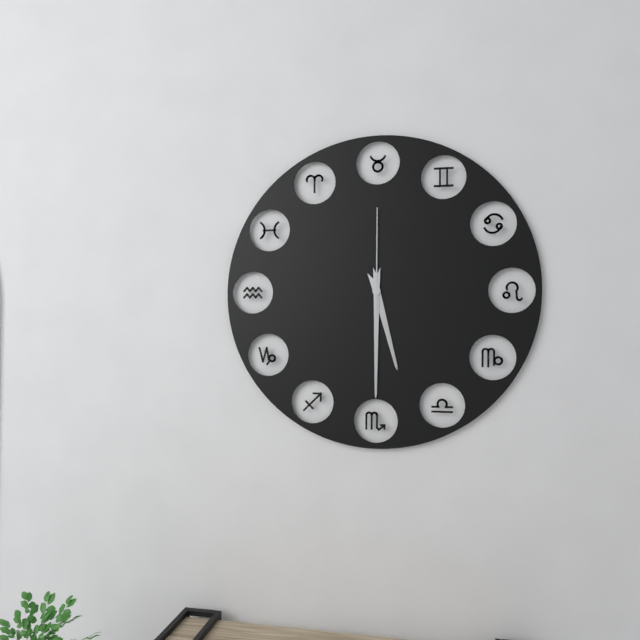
5:30:00
